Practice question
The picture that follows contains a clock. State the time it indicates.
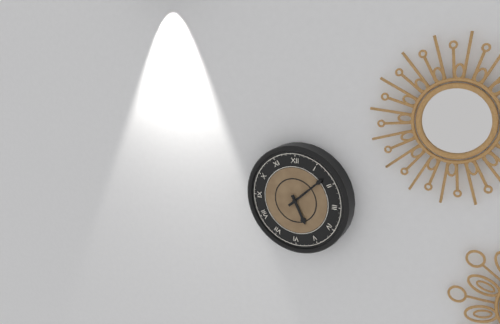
5:08
